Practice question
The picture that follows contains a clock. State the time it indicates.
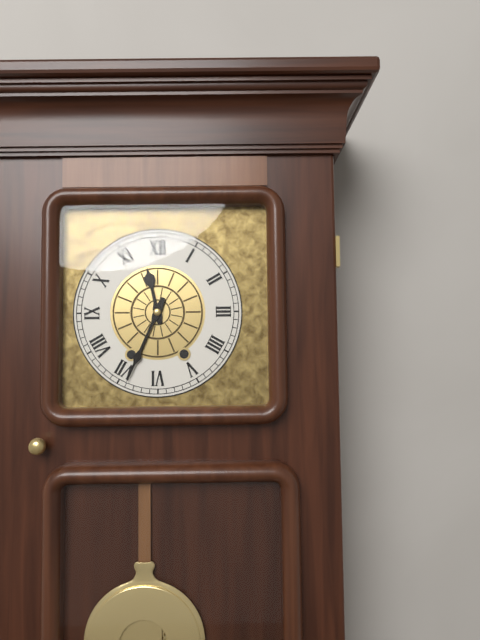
11:34
